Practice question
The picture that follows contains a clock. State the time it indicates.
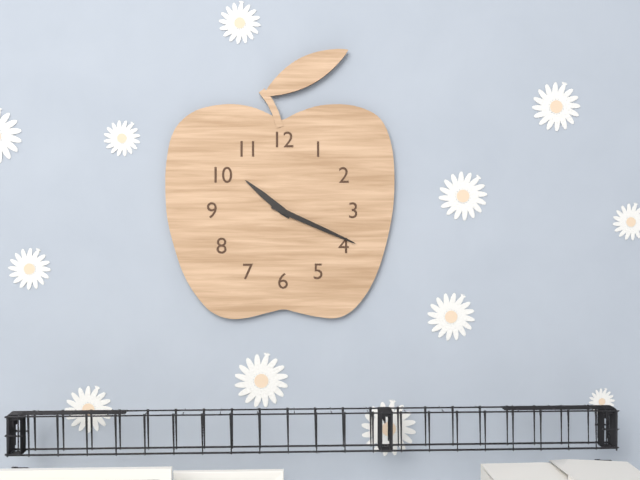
10:19
